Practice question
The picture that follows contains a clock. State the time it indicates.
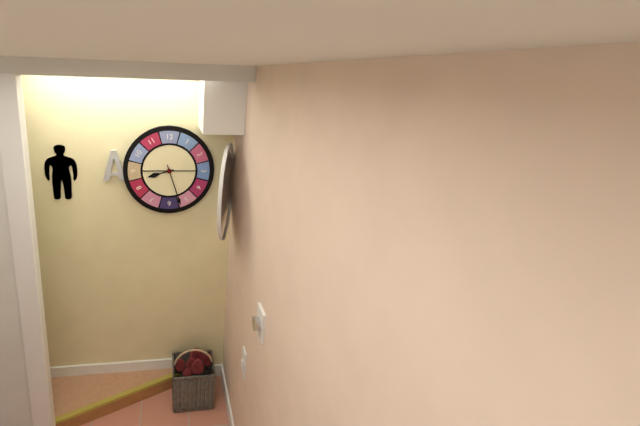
8:27
